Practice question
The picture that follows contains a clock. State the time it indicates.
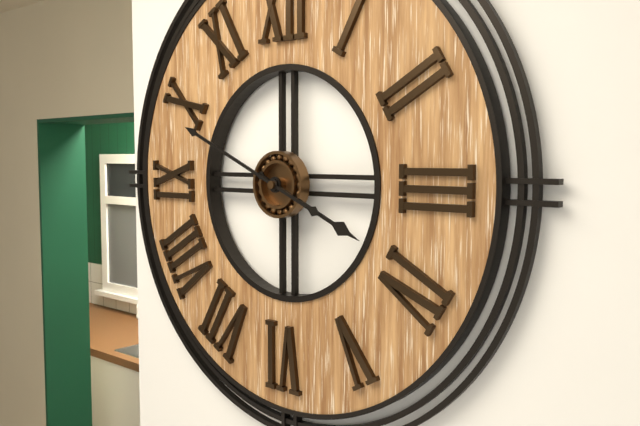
3:49
